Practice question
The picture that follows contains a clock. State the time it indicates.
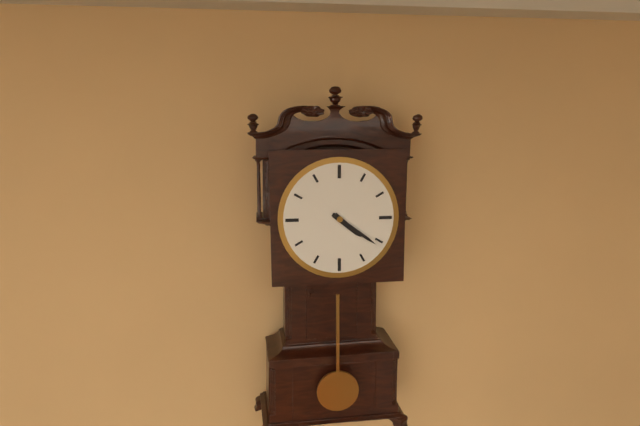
4:21
